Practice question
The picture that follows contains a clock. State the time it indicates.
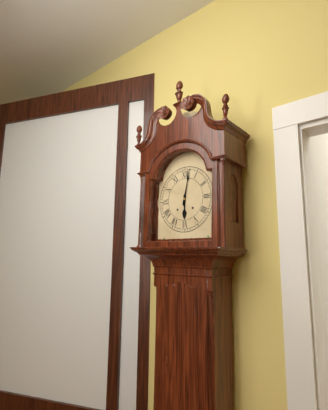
6:02
